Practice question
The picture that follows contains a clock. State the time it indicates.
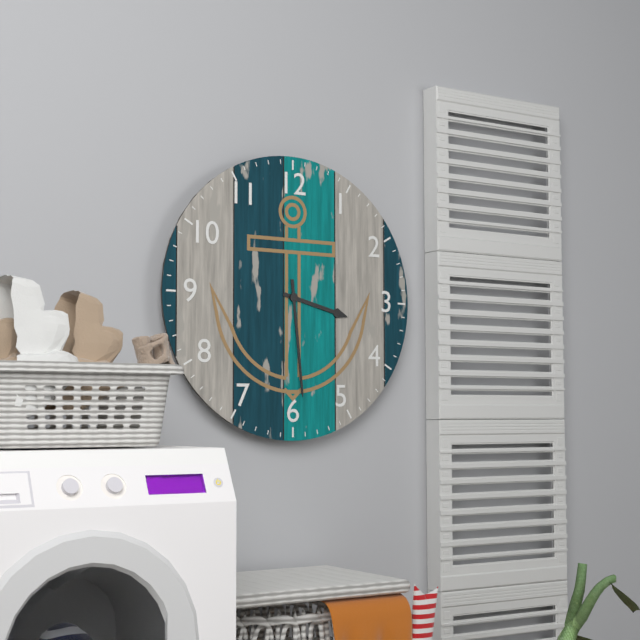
3:29
